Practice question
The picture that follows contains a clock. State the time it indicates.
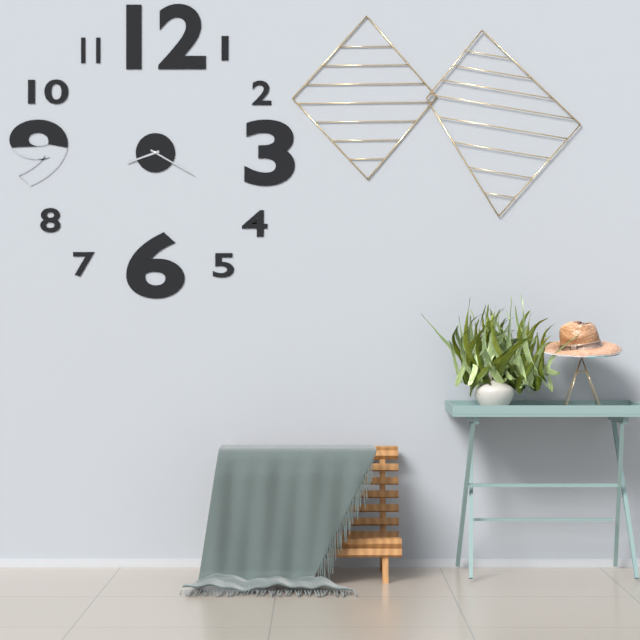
8:20
